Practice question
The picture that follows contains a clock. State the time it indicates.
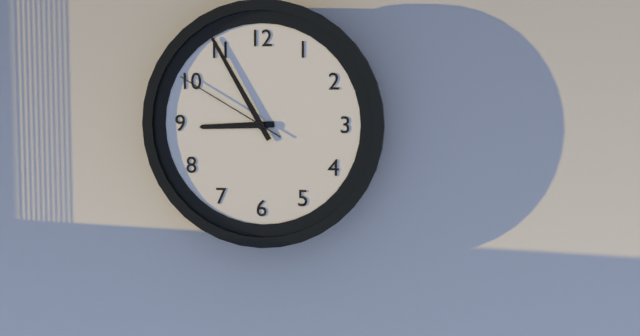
8:55:50
